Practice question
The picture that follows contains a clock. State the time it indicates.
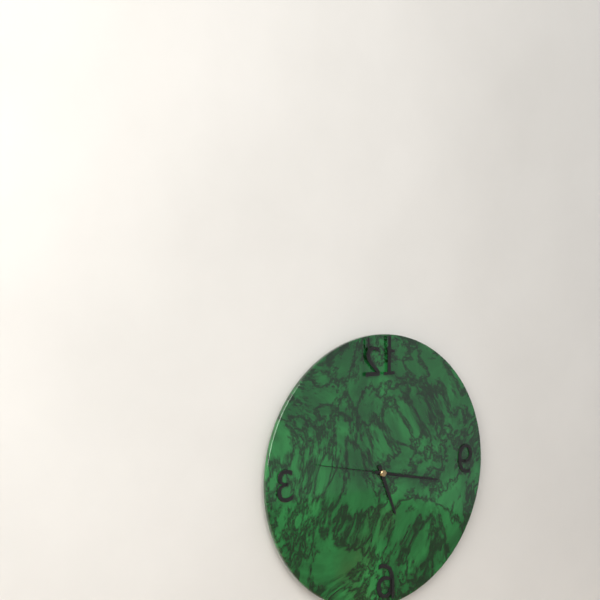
5:17:47
